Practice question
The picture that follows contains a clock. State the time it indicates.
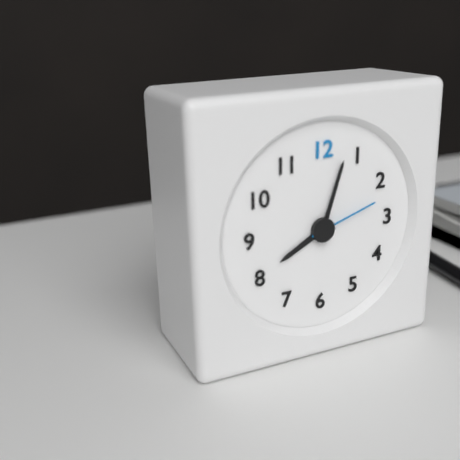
8:03:12
